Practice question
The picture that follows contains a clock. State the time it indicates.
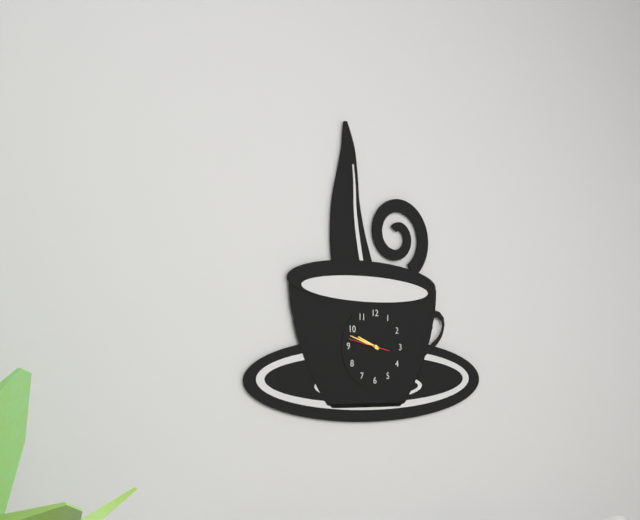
9:48
